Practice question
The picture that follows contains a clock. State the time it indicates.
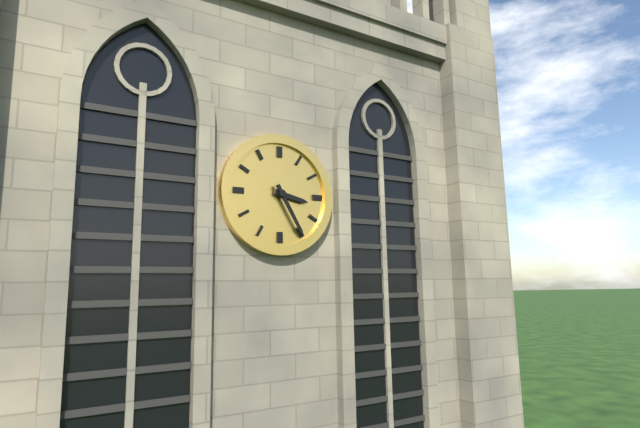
3:25
